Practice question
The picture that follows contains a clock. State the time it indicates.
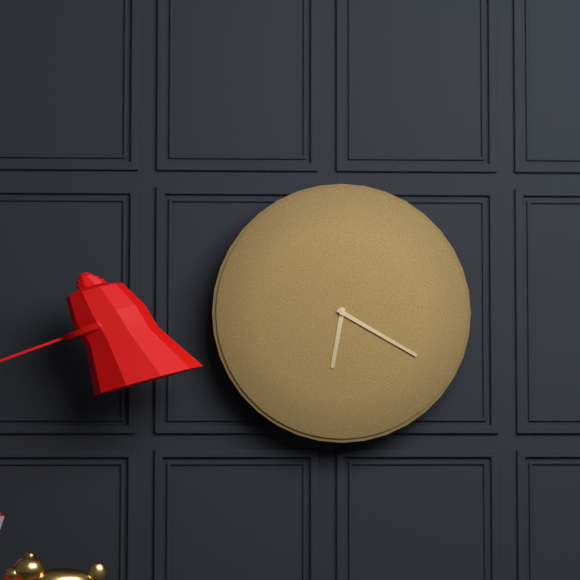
6:20
